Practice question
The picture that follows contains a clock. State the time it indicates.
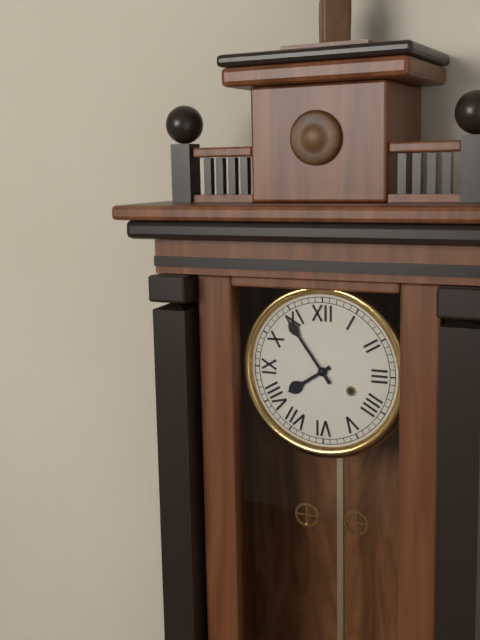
7:54
